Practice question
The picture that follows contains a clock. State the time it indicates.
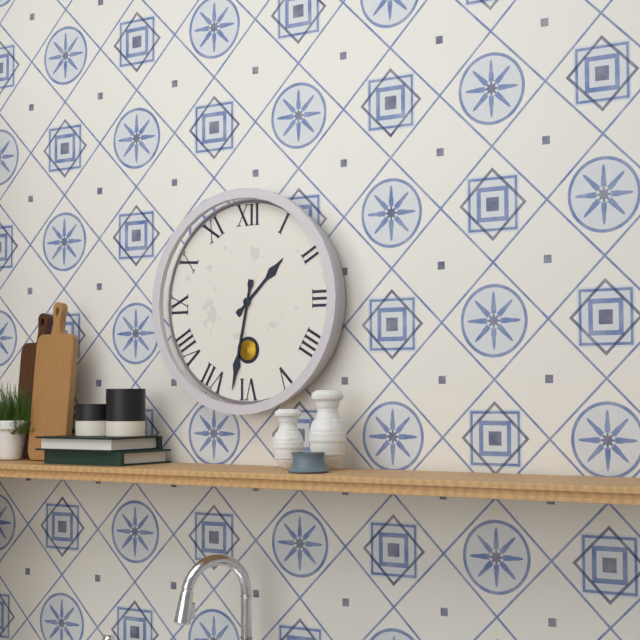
1:32
